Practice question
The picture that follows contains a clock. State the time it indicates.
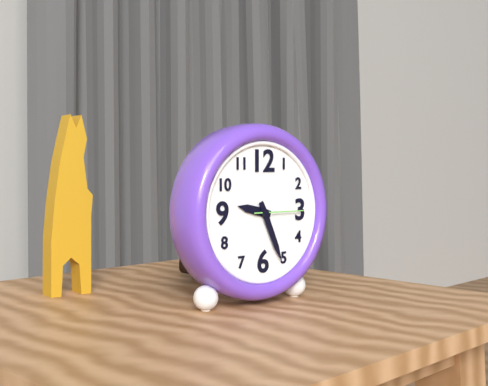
9:26
